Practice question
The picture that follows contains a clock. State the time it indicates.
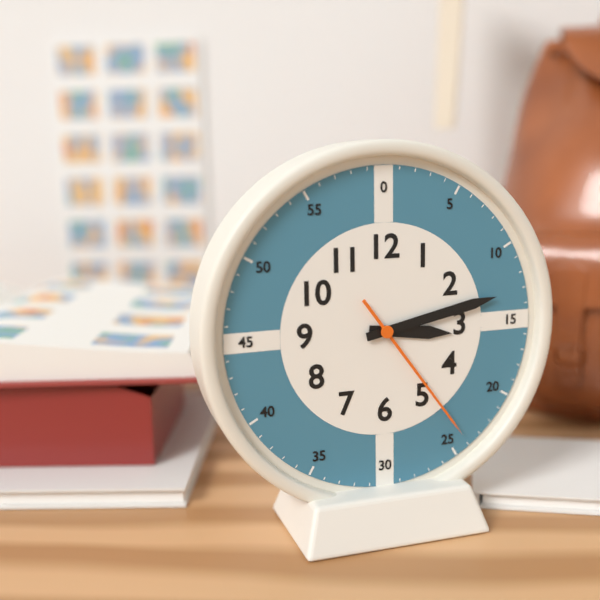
3:13:24
